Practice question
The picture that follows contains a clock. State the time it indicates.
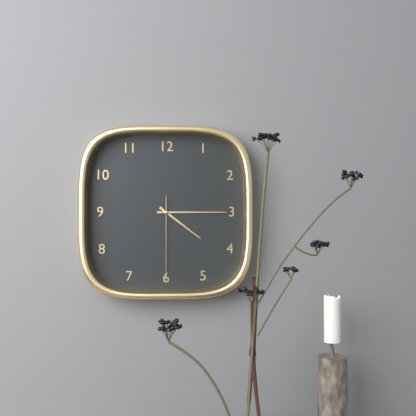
4:15:30
